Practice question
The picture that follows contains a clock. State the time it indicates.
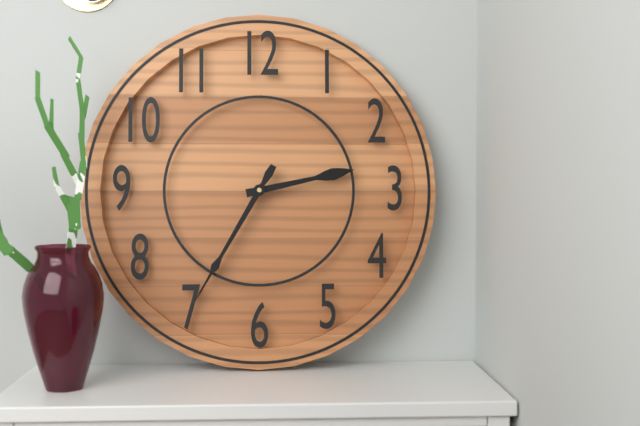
2:35
